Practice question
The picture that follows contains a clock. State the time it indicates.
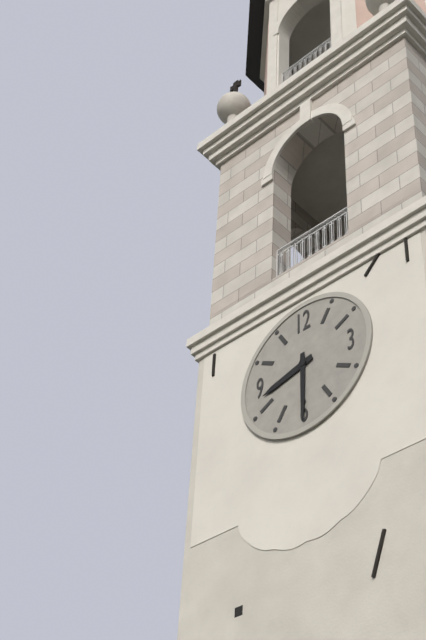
8:30
